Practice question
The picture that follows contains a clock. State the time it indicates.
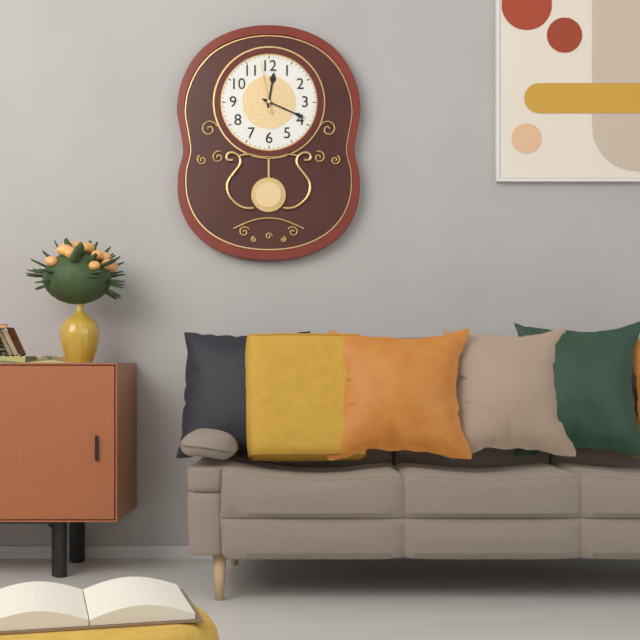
12:19:58
